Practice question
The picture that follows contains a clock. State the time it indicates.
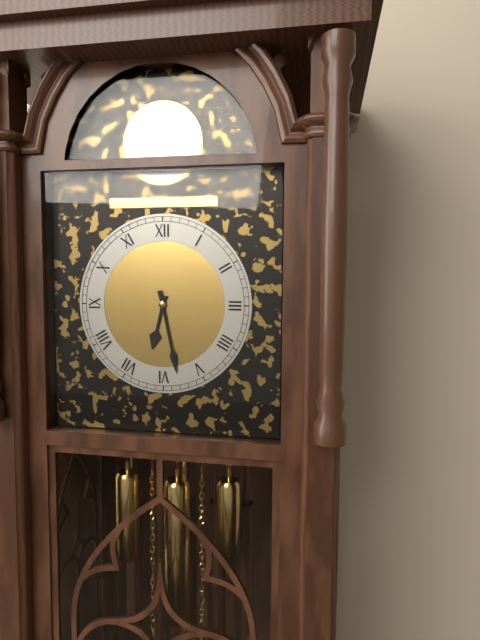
6:28
